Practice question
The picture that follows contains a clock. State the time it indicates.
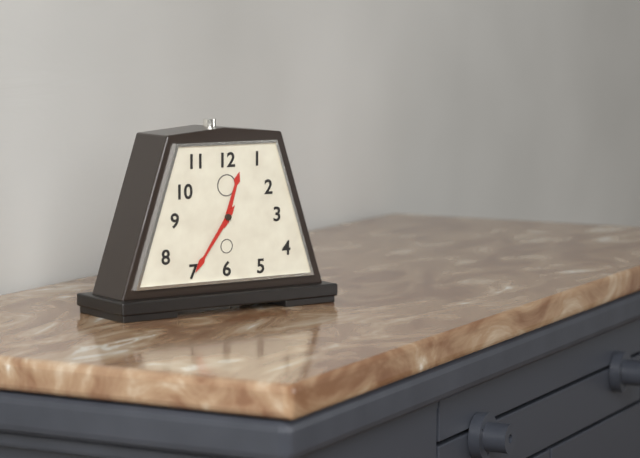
12:36
